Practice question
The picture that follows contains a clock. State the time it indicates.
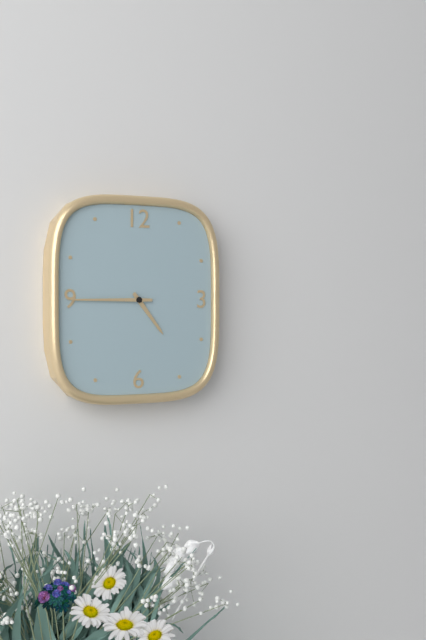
4:45
